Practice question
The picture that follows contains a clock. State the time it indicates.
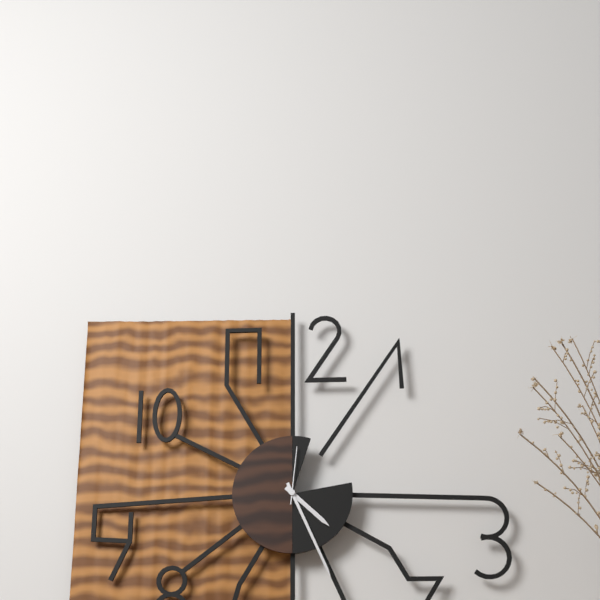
4:26:01
